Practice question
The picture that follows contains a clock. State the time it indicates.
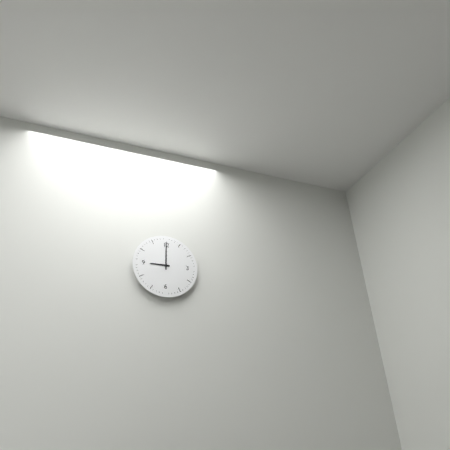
9:00
